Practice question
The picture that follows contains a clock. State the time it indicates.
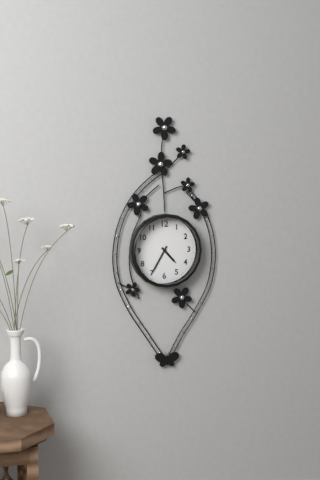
4:35
